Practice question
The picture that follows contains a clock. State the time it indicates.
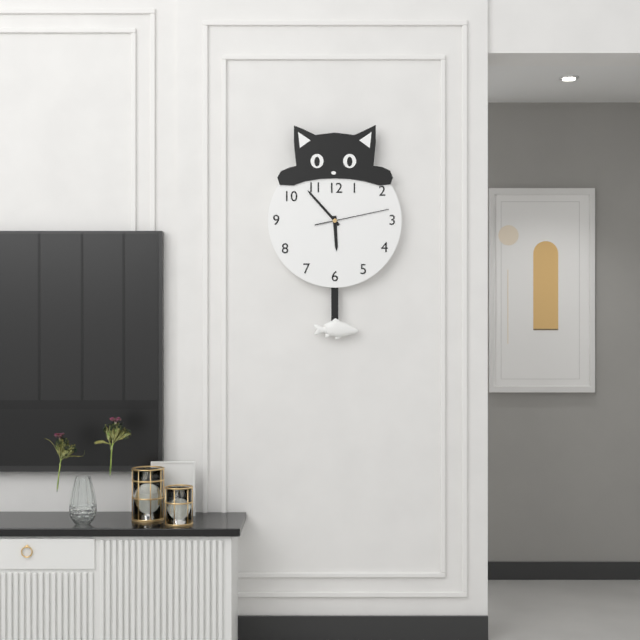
5:53:13
